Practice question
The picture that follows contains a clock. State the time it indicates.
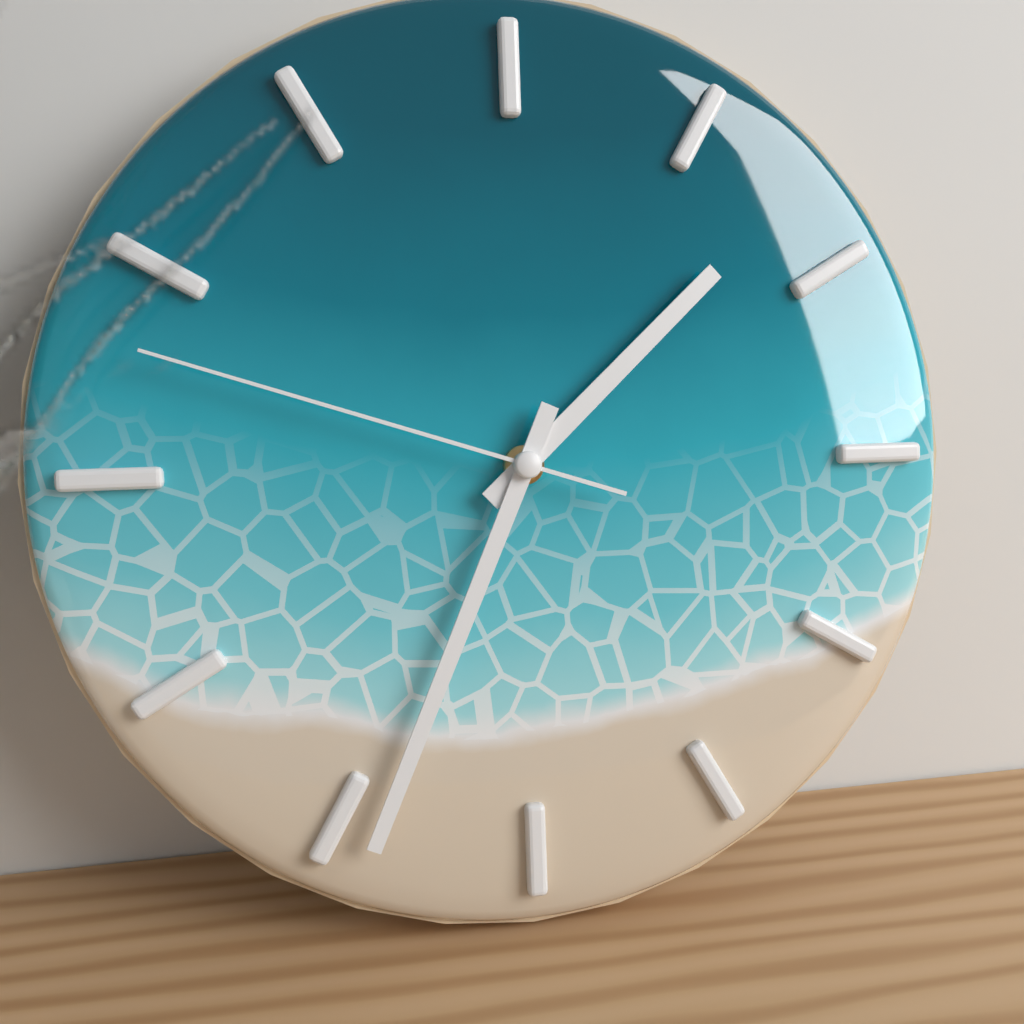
1:34:48
